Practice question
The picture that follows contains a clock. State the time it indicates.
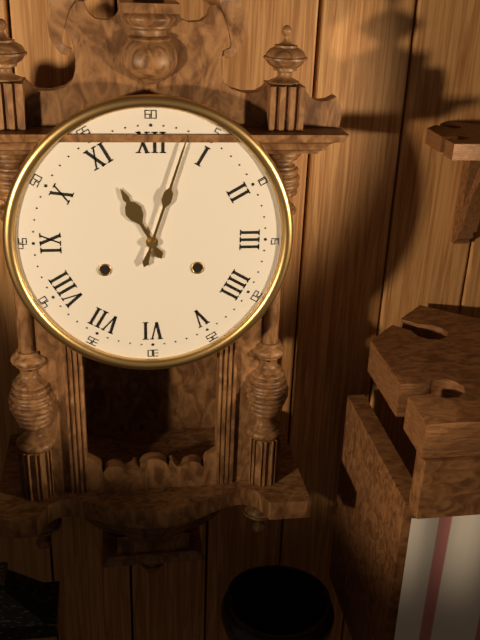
11:03
